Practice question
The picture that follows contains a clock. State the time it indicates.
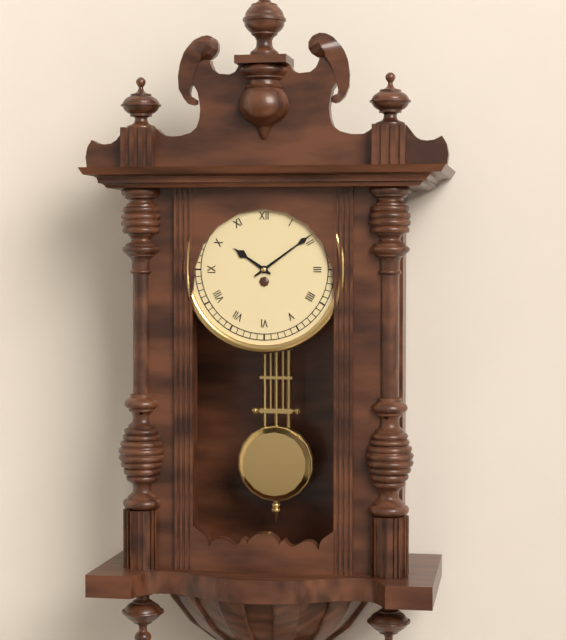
10:09
